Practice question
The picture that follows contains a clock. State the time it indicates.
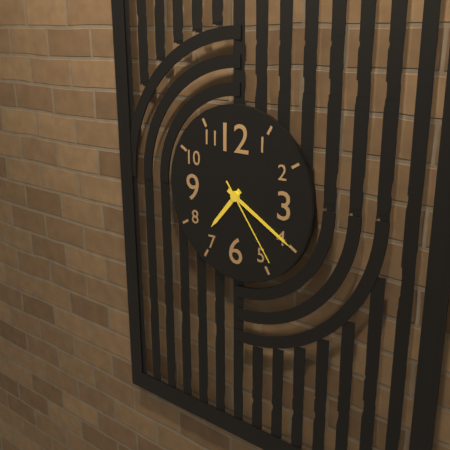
7:20:24
